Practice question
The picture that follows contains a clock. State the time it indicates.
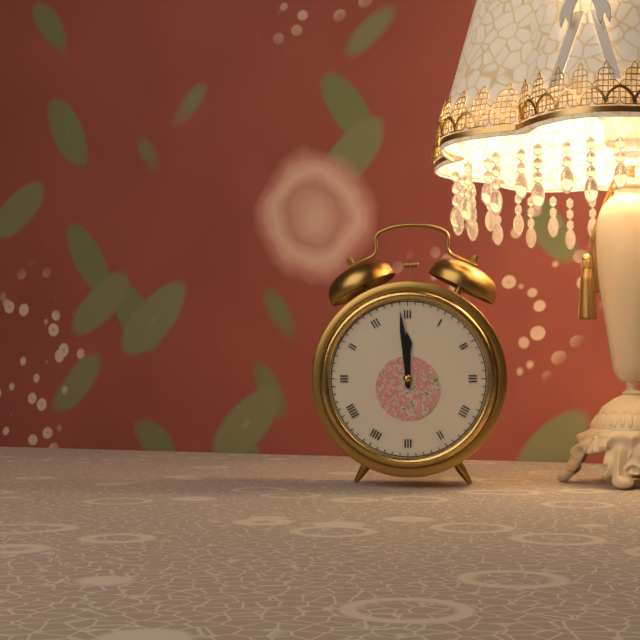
11:59
